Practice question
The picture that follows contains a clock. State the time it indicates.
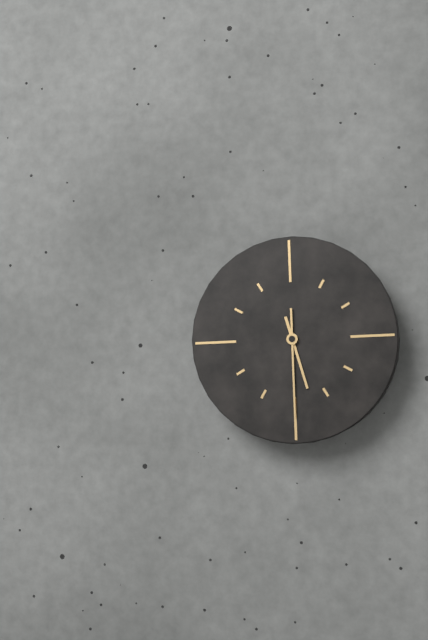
5:30
